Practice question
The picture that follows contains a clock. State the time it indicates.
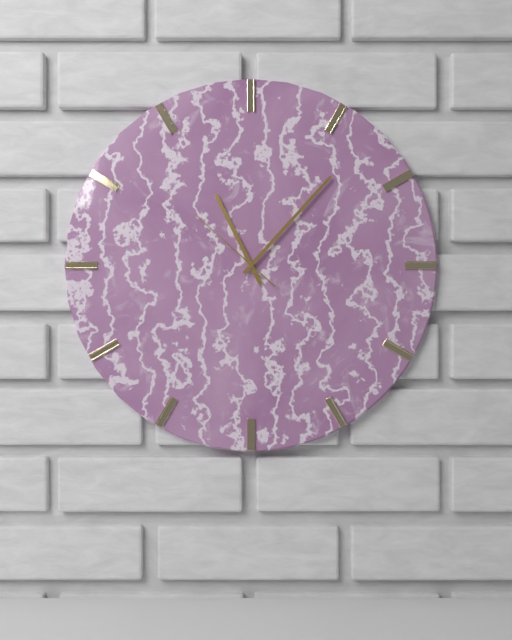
11:07:52
